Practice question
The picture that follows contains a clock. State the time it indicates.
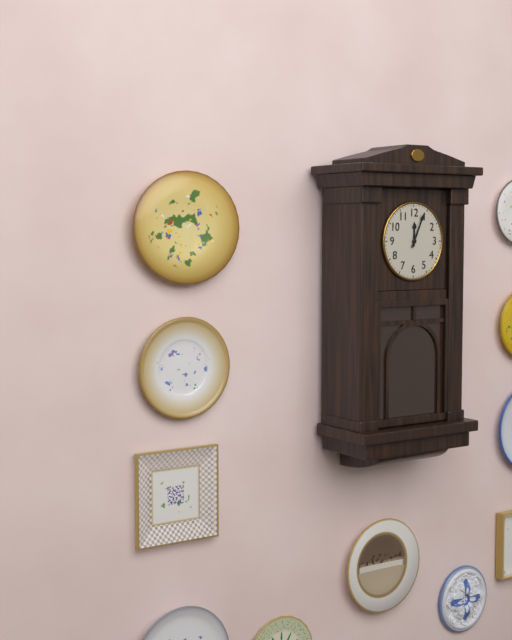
12:04
